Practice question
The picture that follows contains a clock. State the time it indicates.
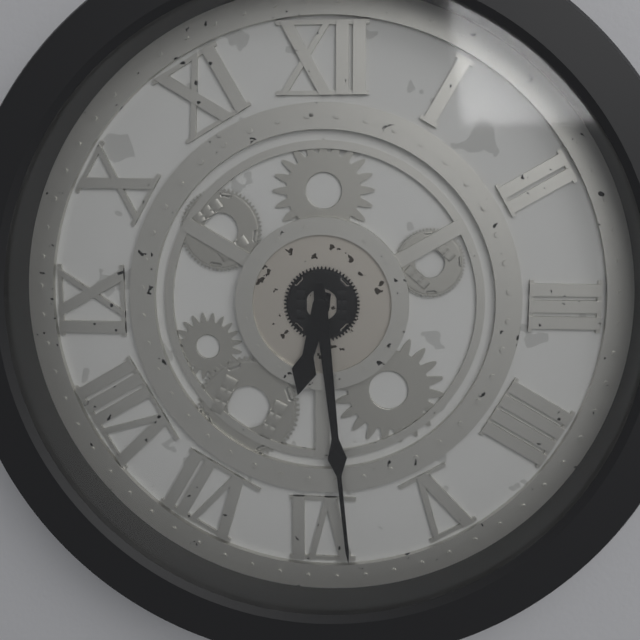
6:29
